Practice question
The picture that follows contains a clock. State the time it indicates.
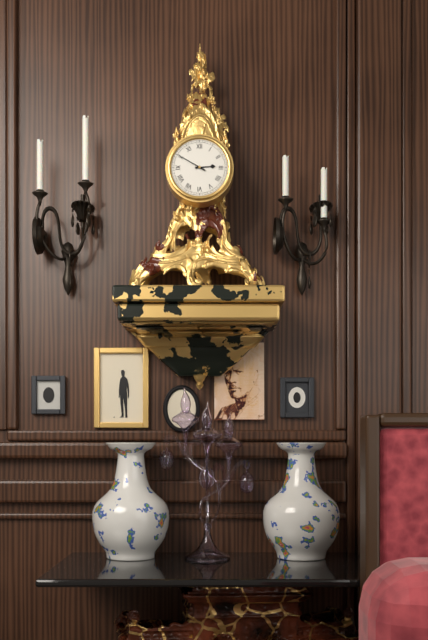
2:50
